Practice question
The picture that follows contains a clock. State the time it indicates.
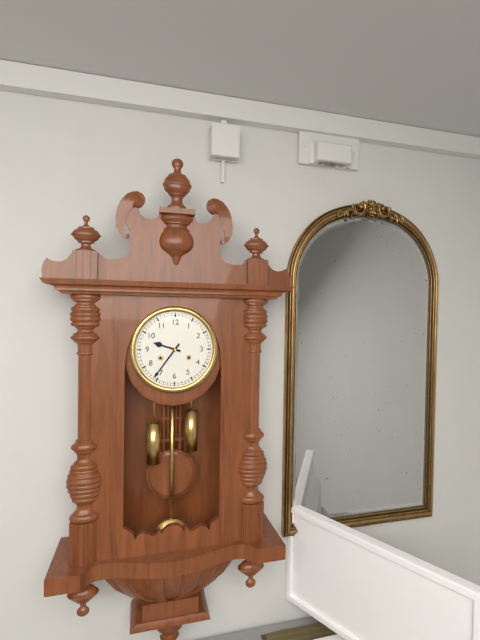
9:36
